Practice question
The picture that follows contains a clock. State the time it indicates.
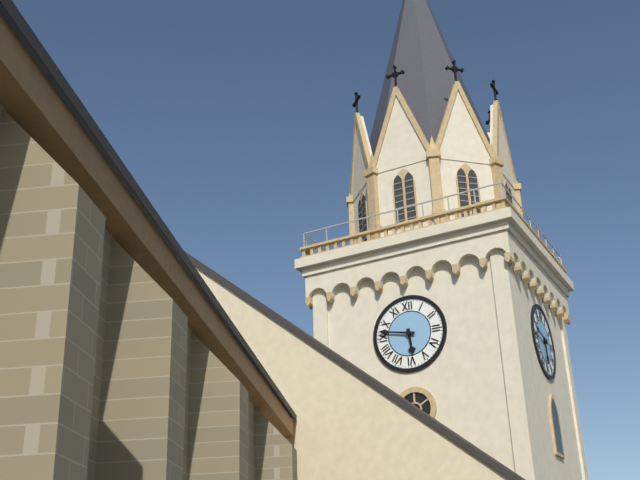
5:47
